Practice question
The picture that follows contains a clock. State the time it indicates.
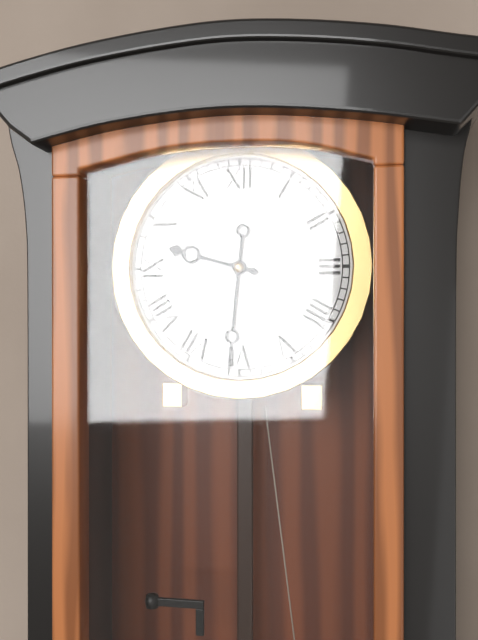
9:31
